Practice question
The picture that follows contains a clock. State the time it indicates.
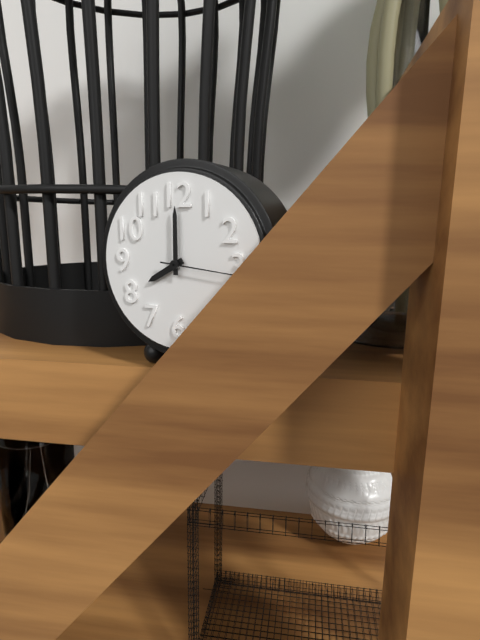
8:00:16
